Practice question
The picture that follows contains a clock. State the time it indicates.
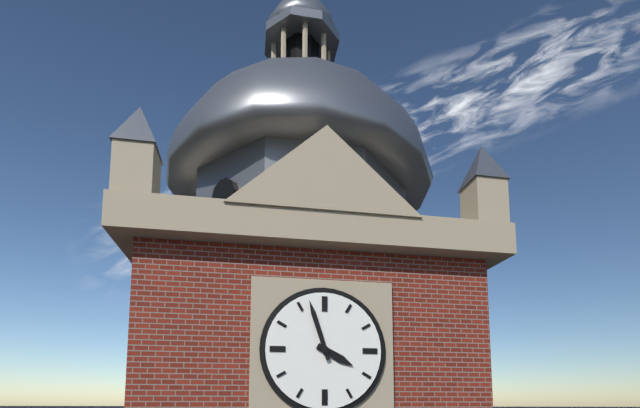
3:57
